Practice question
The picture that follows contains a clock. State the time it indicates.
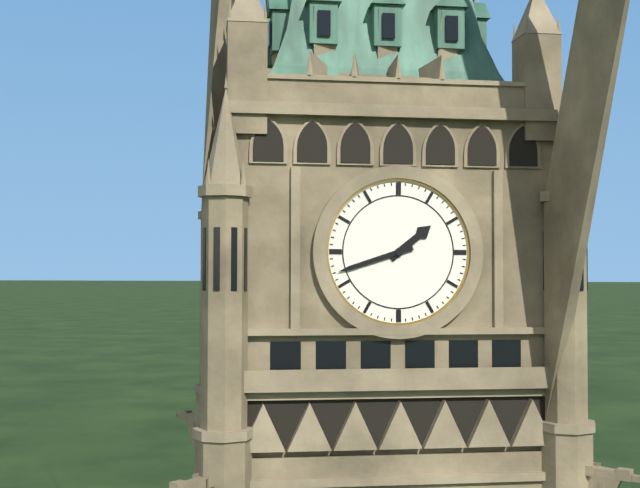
1:42
